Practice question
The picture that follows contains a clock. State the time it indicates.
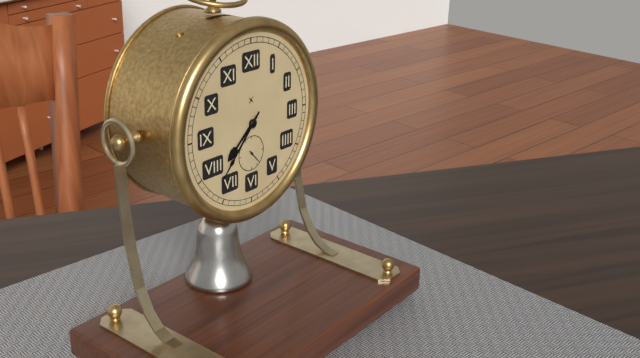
7:37
